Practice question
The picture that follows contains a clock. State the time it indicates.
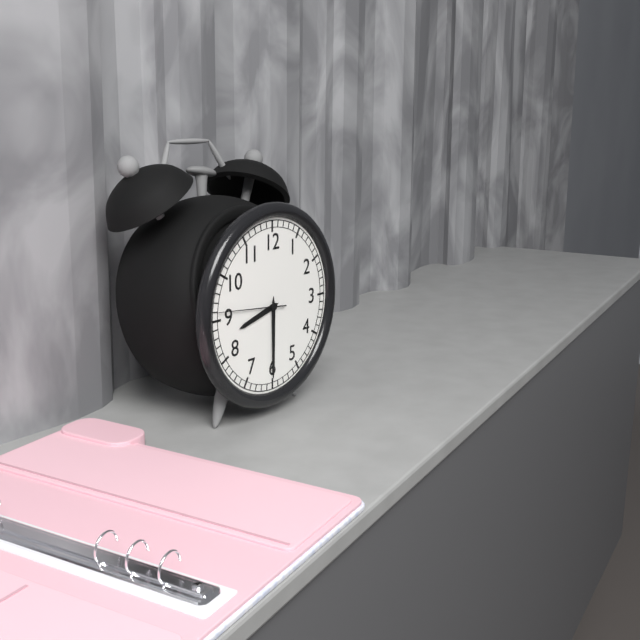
8:30:46
